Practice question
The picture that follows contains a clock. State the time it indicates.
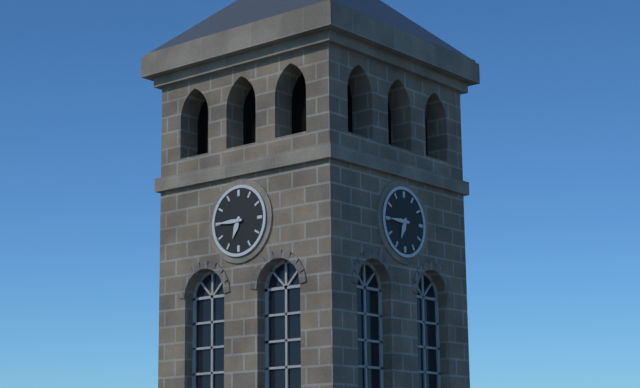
6:45
